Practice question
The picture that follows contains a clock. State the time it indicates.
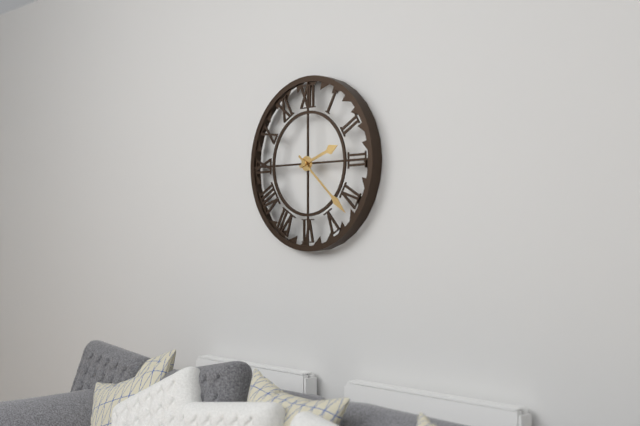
2:22
